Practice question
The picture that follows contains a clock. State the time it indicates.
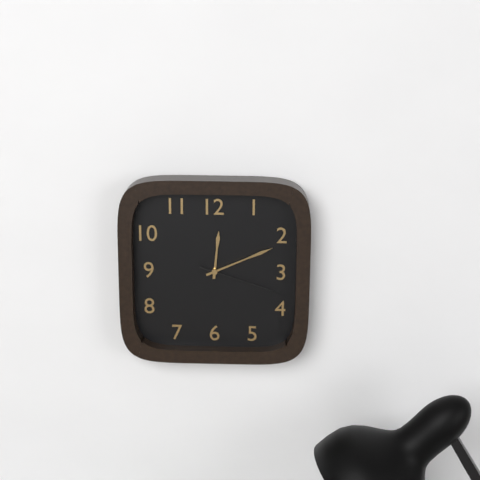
12:11:18
